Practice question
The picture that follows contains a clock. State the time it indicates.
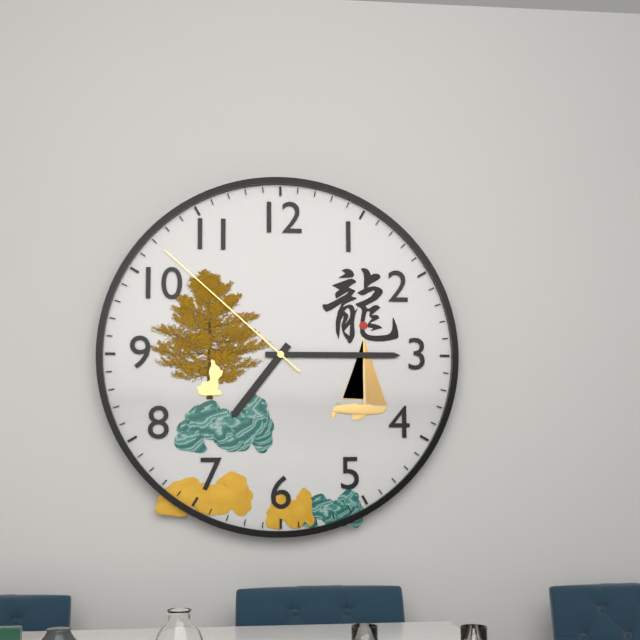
7:15:52
